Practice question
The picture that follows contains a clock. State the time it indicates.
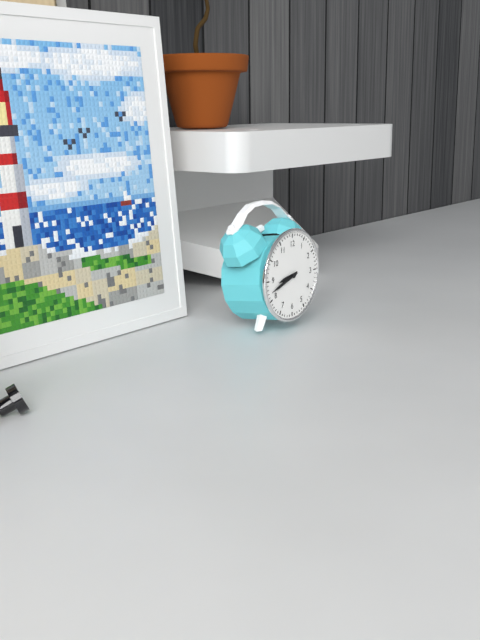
8:42
